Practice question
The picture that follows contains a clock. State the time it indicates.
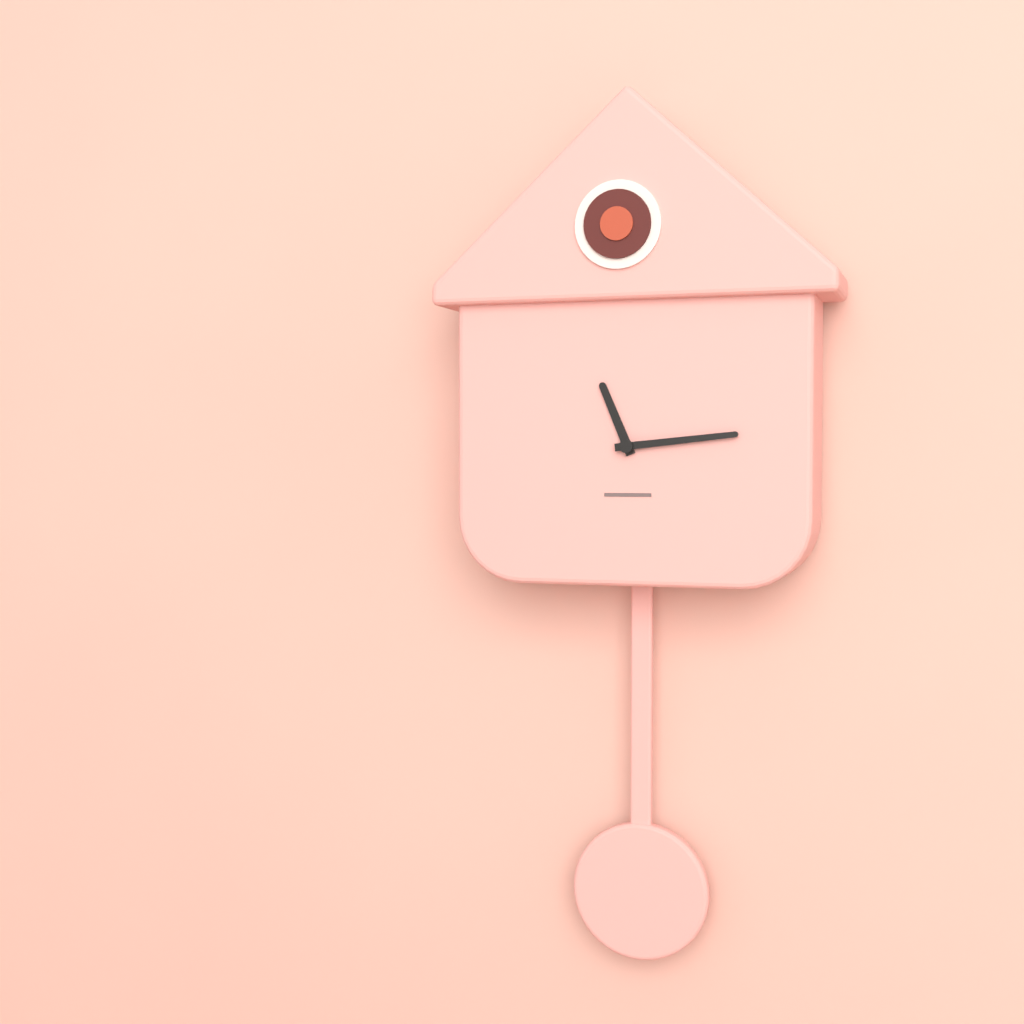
11:14
